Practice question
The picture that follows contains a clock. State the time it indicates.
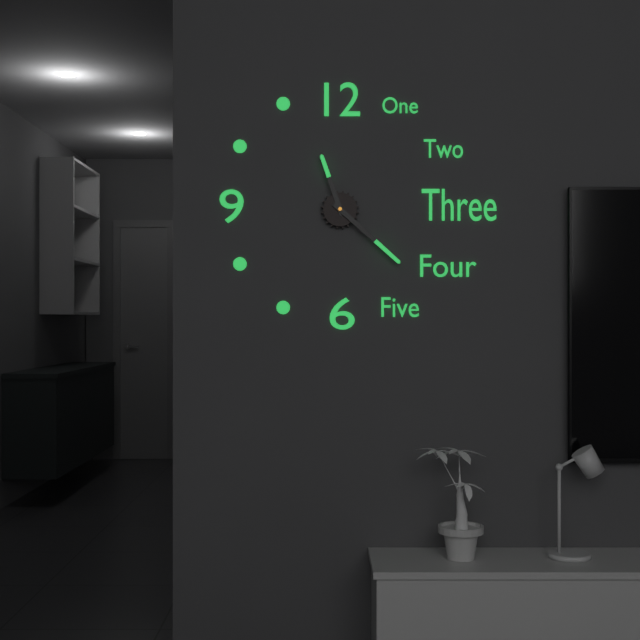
11:22
